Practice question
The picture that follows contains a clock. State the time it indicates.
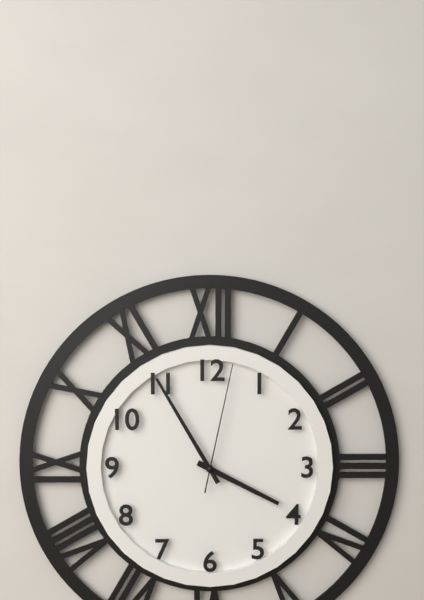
3:55:02
